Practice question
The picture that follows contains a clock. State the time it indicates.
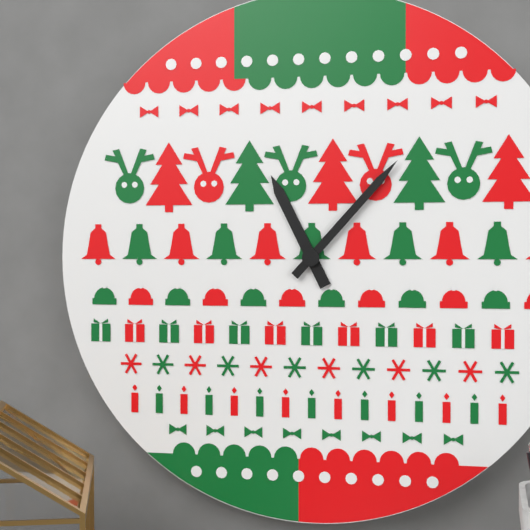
11:07
